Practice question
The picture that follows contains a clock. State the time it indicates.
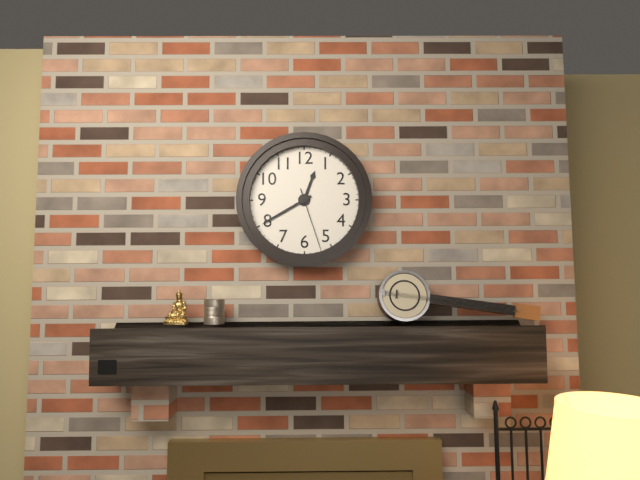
12:40:27
